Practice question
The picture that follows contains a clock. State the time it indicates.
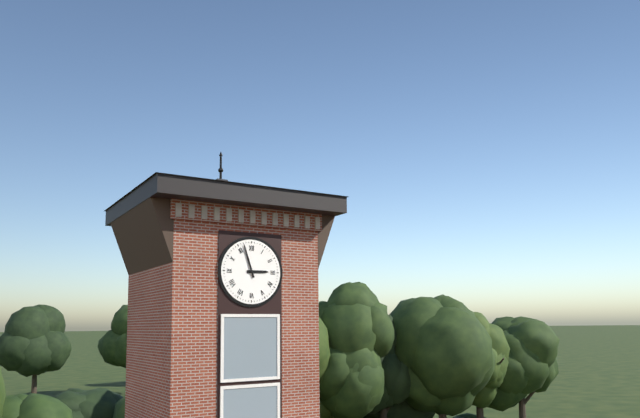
2:57
